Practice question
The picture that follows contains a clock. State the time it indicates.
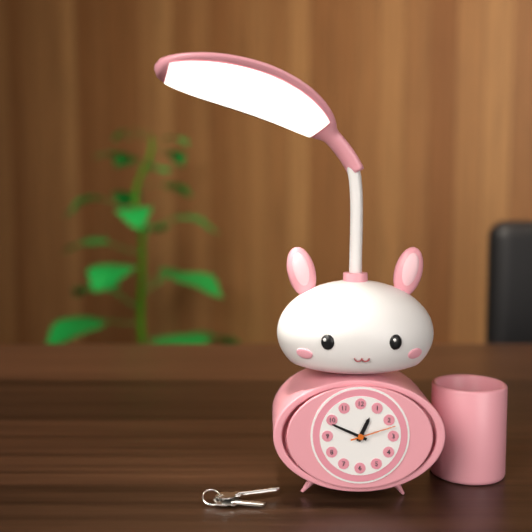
12:49
